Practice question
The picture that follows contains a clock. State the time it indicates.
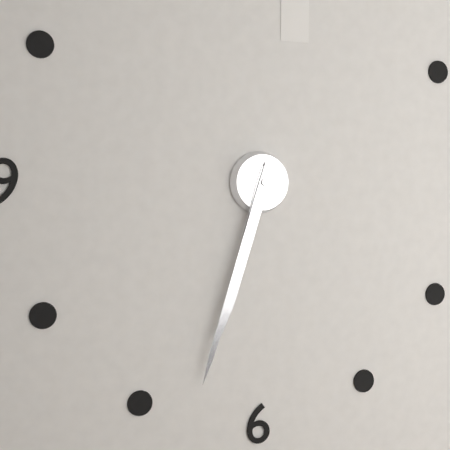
6:33
